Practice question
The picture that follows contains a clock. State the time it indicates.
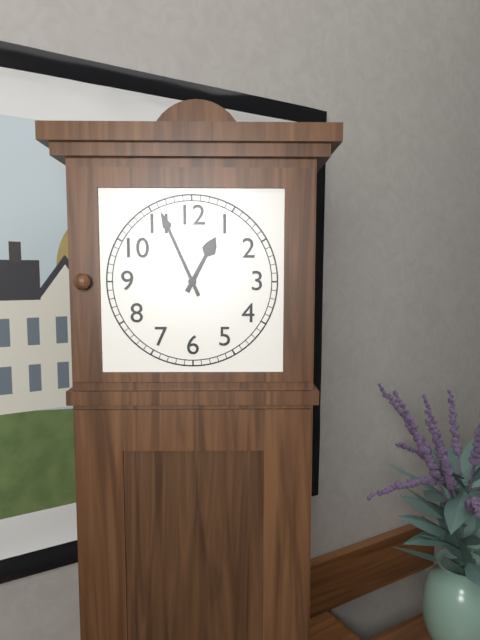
12:56
